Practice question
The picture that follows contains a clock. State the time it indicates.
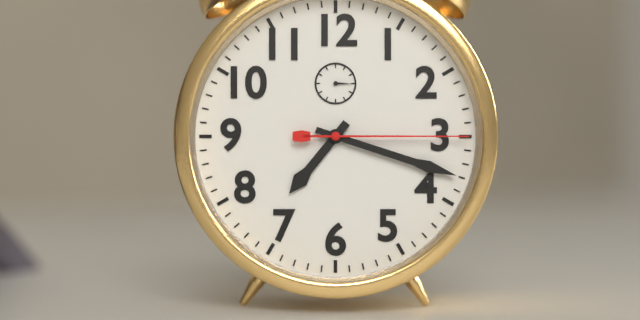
7:18:15
